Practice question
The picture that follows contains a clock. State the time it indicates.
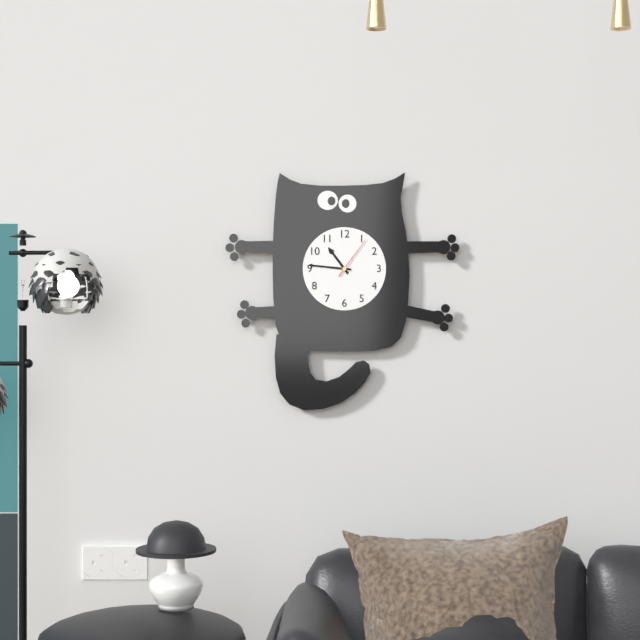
10:46
